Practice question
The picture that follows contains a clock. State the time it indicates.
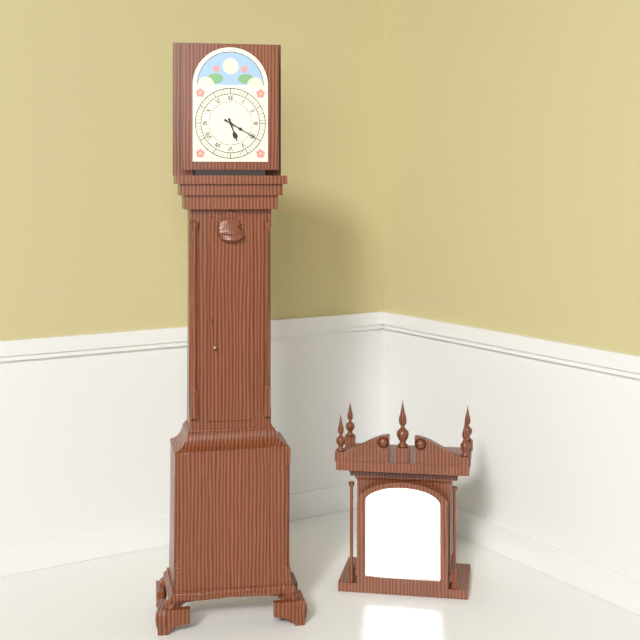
5:20
